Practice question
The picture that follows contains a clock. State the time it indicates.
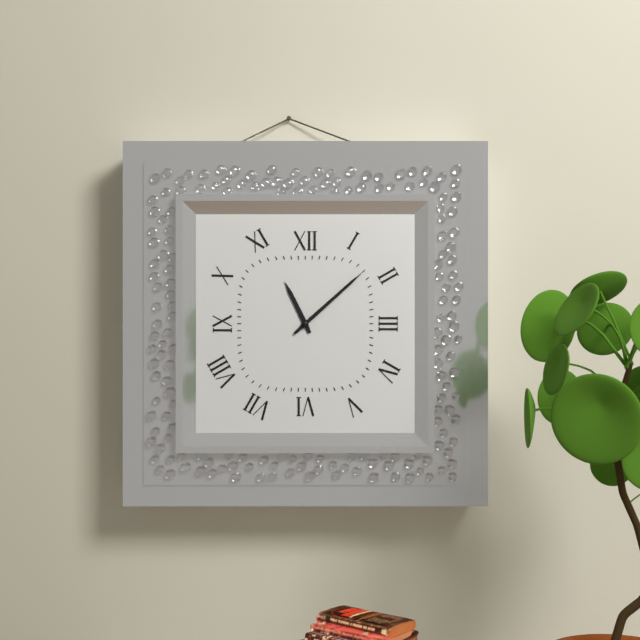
11:08
